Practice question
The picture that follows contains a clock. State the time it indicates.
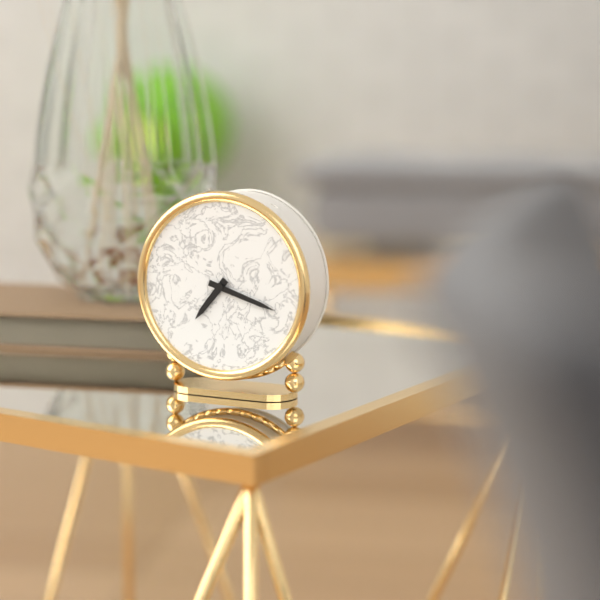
7:18
